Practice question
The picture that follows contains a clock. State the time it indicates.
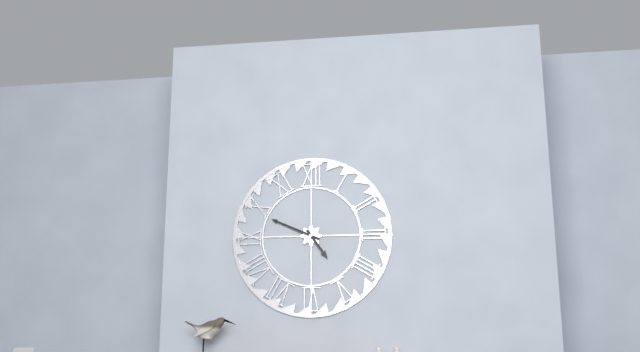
4:49
